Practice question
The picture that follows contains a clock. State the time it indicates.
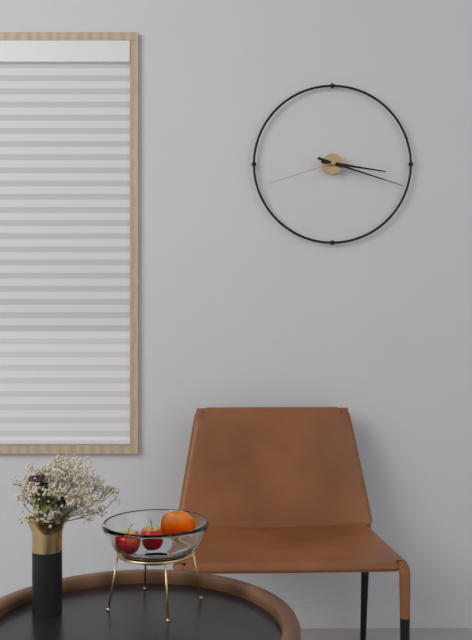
3:18:42
